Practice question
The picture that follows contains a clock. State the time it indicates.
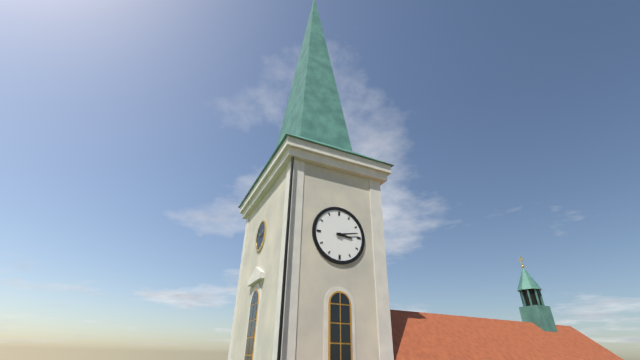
3:13
